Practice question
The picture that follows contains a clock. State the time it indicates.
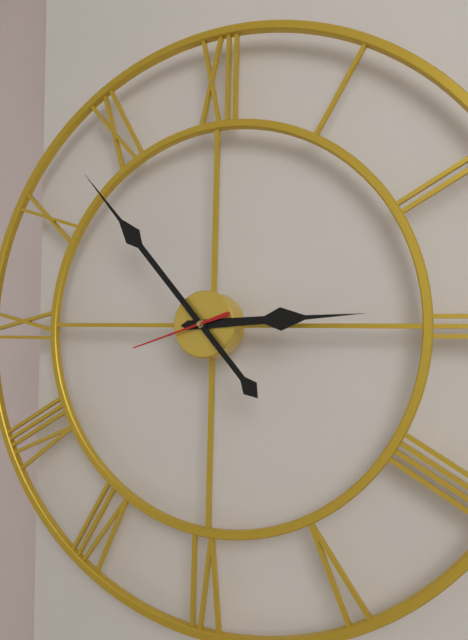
2:53:42
